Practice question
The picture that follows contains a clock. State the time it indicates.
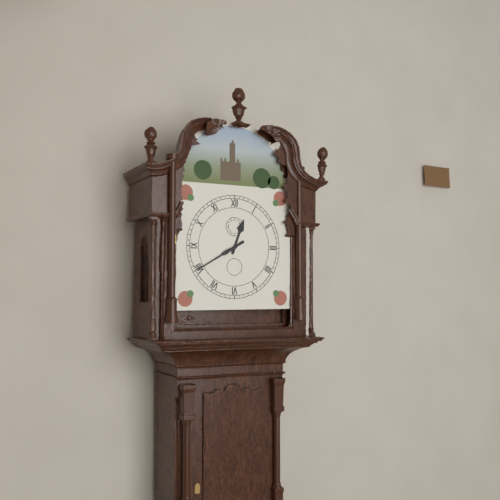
12:40
